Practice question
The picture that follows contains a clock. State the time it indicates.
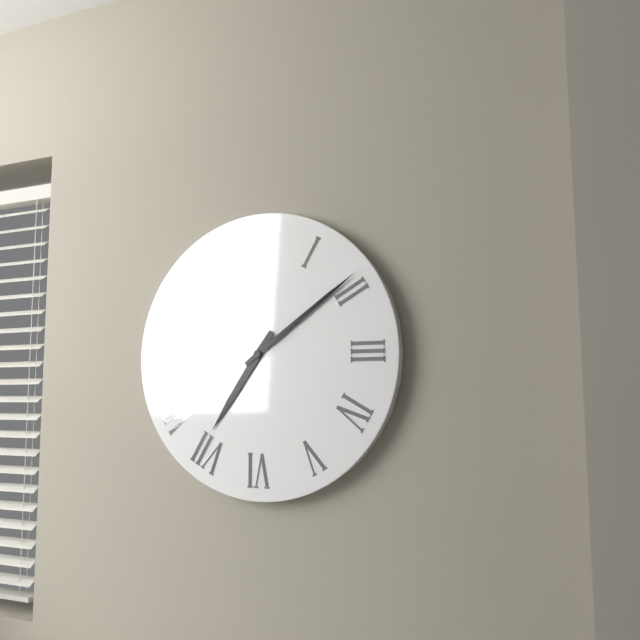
7:09
